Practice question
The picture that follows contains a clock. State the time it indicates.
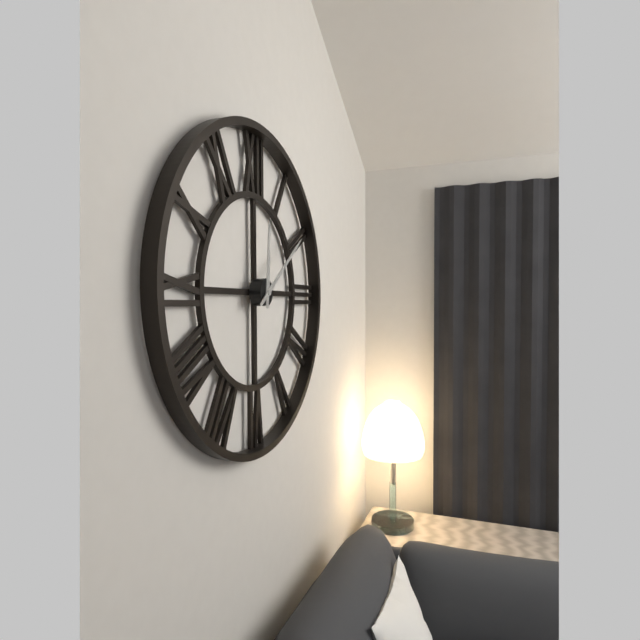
12:09
